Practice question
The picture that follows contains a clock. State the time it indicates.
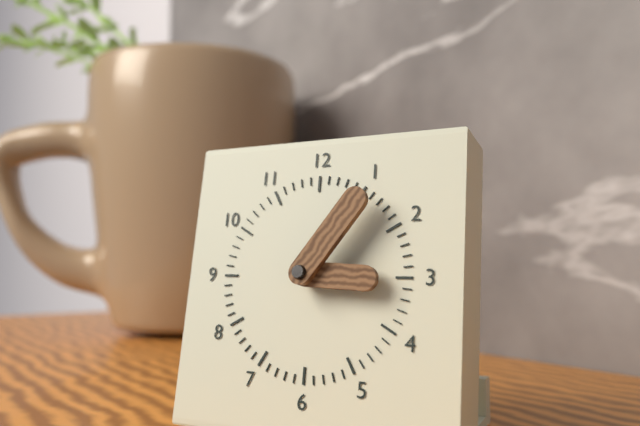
3:06
